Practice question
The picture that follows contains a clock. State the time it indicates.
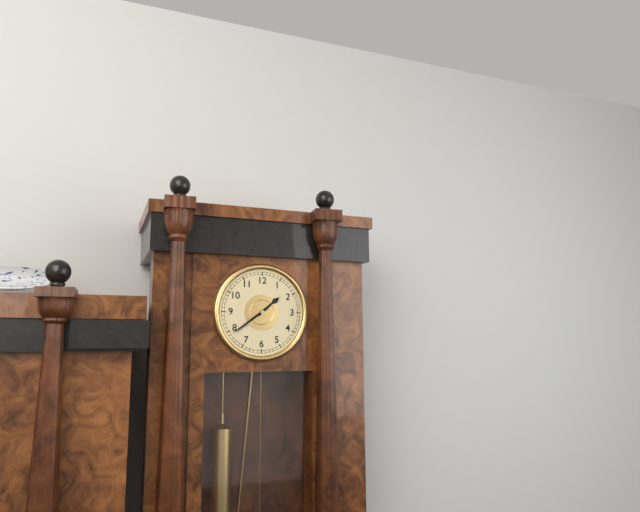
1:39
